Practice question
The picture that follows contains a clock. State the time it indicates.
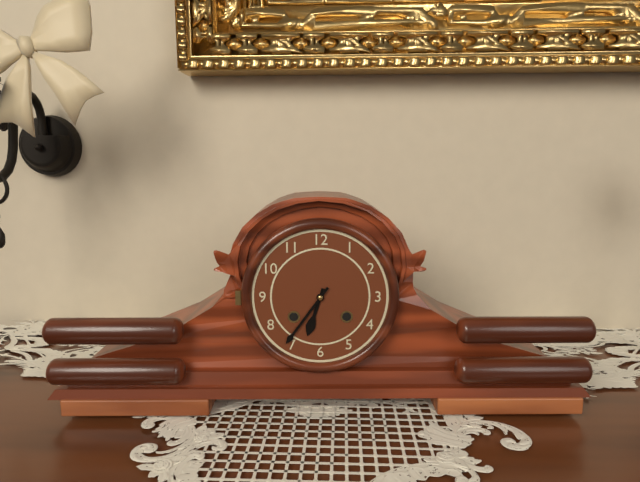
6:36
